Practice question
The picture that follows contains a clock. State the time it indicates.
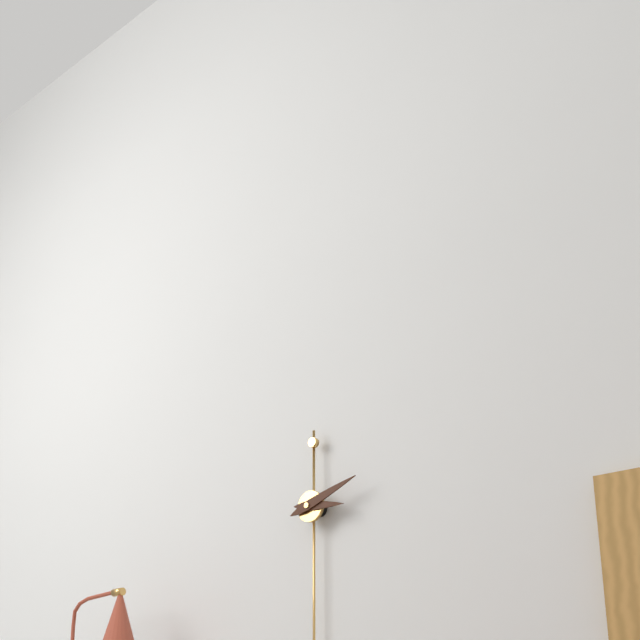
3:12
